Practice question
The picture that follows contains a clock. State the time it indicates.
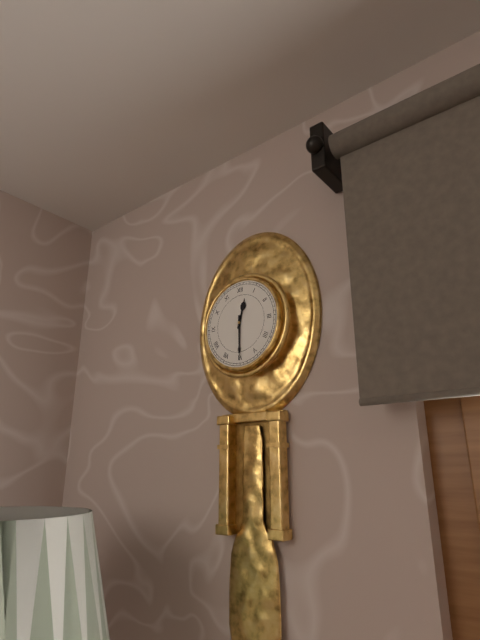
12:30
